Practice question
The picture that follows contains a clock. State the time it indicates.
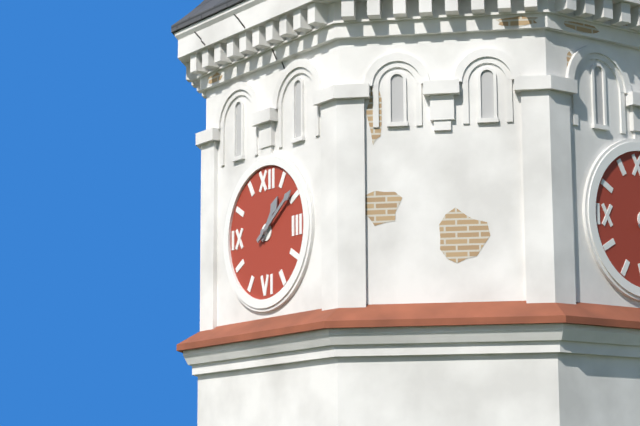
1:09
